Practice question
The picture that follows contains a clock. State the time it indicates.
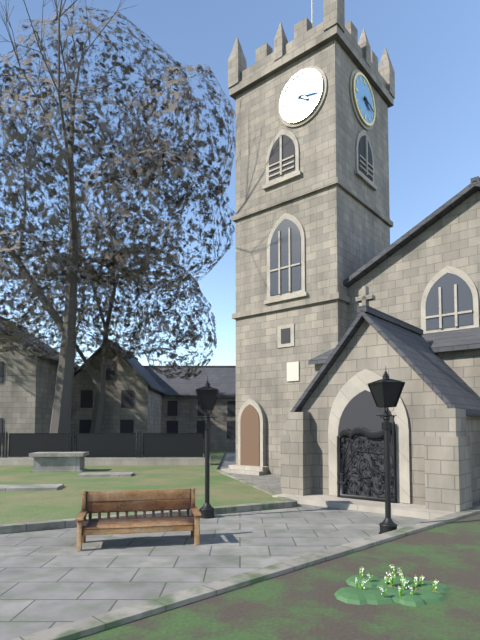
4:17
